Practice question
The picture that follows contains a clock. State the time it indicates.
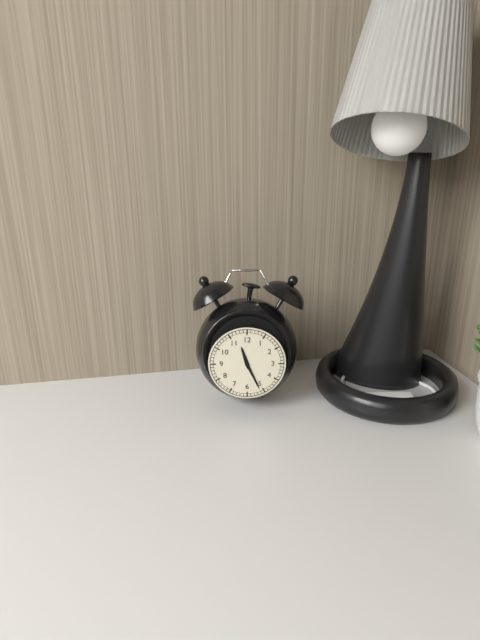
11:26
